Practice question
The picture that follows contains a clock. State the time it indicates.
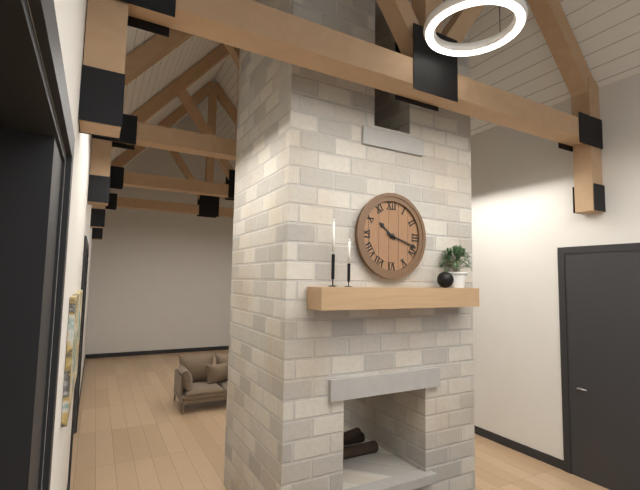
10:18
